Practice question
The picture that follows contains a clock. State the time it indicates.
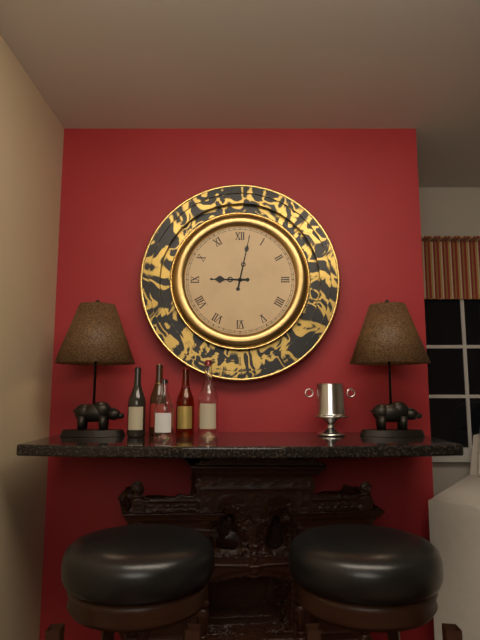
9:02
